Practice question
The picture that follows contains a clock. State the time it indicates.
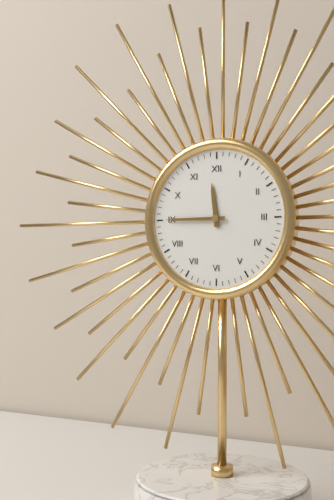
11:45
